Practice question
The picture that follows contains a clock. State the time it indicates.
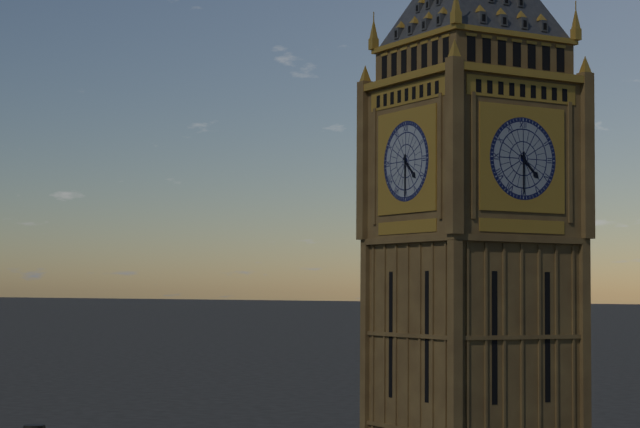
4:30
